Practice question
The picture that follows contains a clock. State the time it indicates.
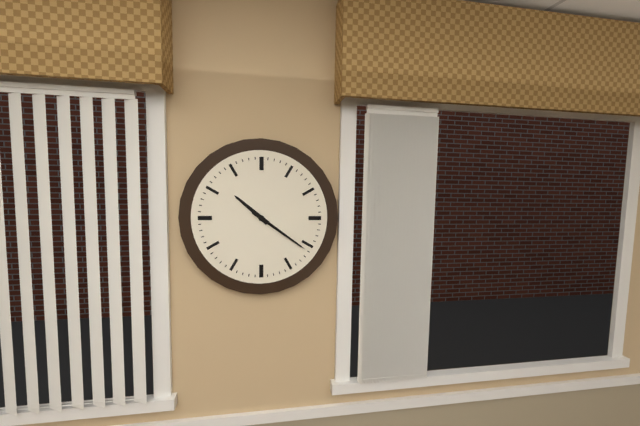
10:21
